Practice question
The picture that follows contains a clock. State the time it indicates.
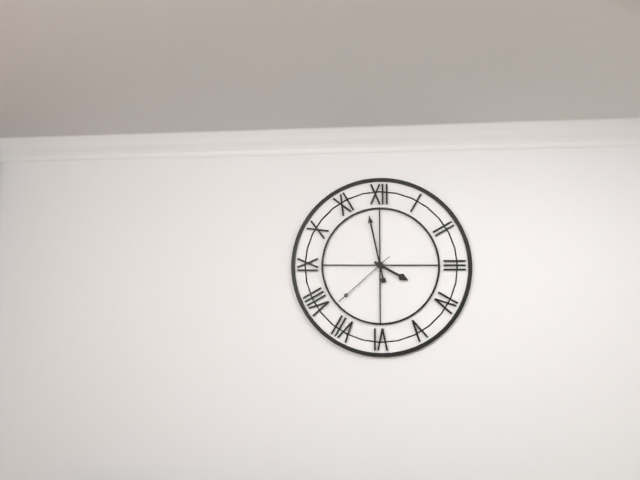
3:58:38
